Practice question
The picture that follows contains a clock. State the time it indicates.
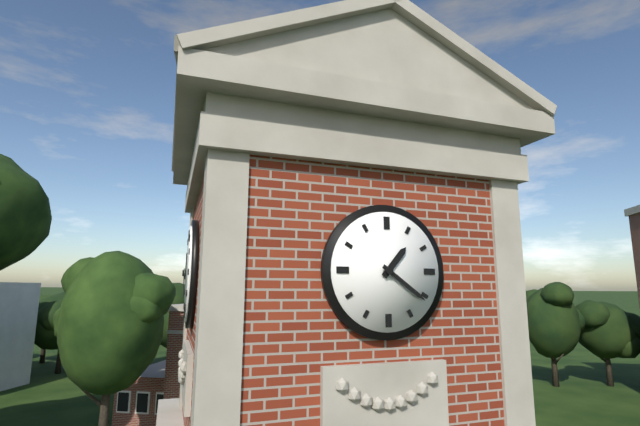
1:21
